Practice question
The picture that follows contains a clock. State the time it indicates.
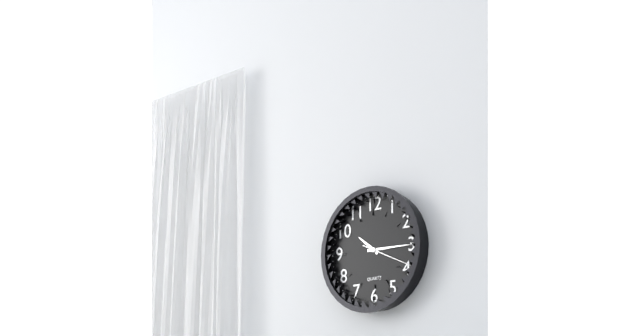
10:15:19
